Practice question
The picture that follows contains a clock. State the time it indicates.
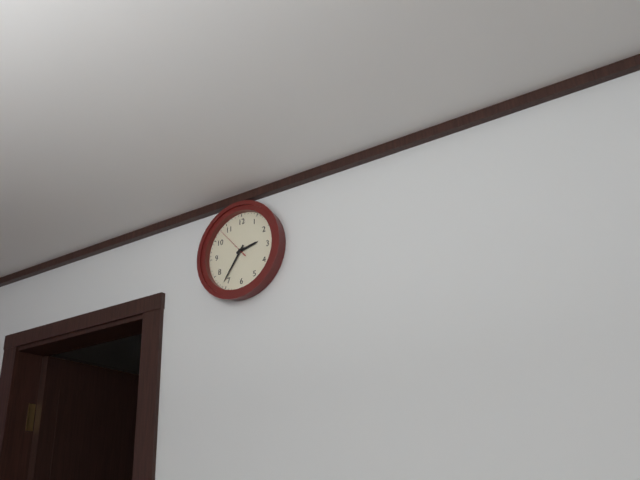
2:36
